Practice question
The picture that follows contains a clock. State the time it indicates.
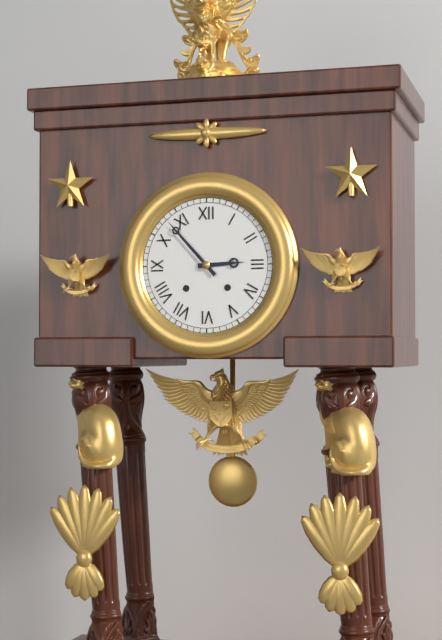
2:53
